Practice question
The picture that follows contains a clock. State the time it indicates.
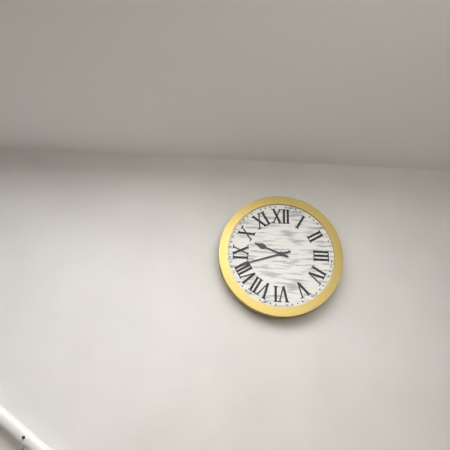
9:42
